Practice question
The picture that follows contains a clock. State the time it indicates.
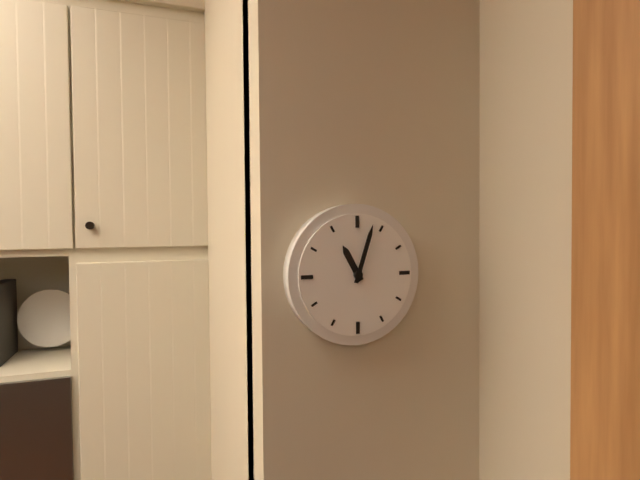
11:03
